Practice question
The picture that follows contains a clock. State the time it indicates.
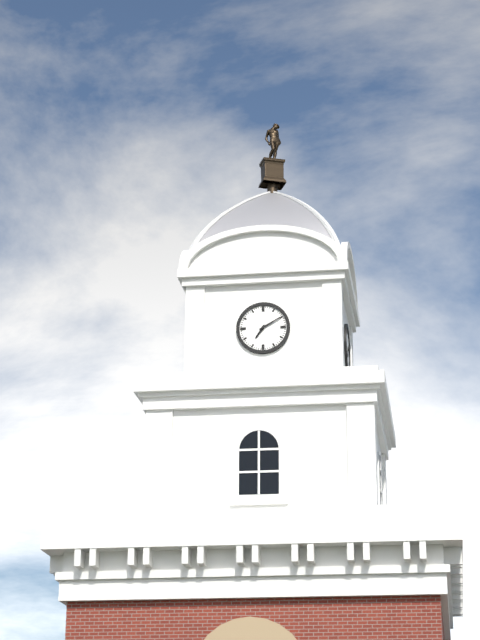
7:10
